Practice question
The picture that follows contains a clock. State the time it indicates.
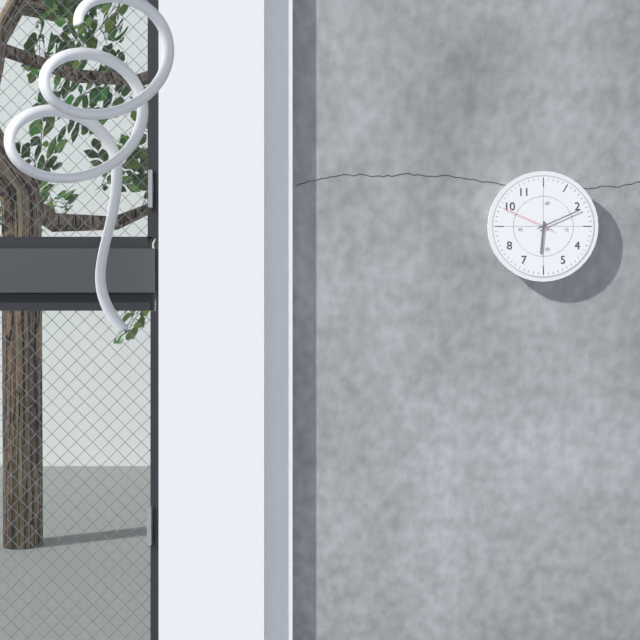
6:11:49
